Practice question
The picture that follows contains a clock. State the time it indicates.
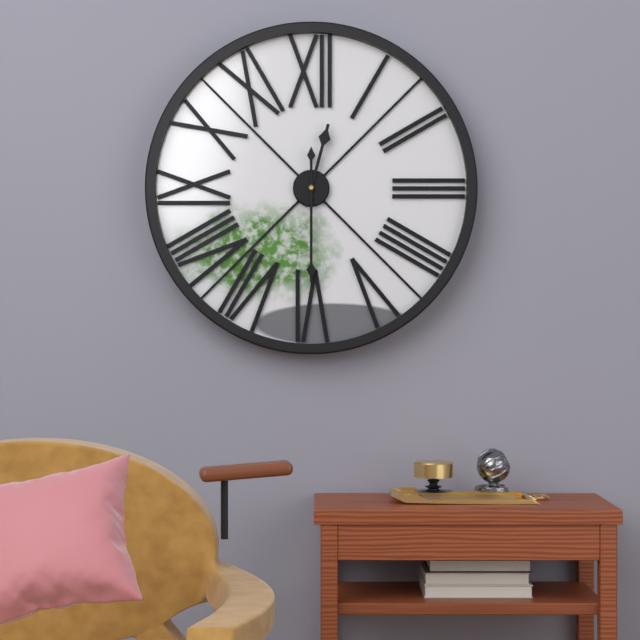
12:30
